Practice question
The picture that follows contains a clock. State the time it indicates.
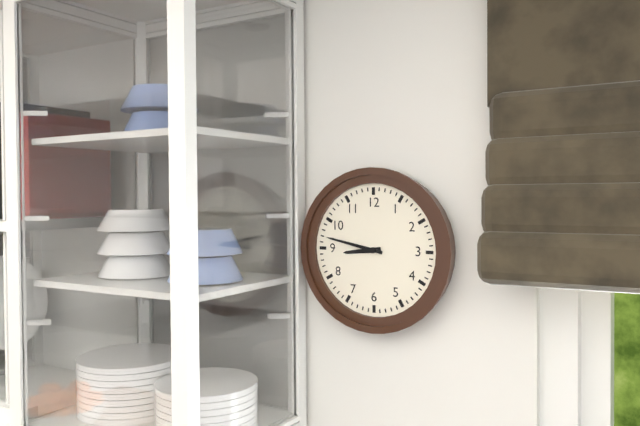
8:47
